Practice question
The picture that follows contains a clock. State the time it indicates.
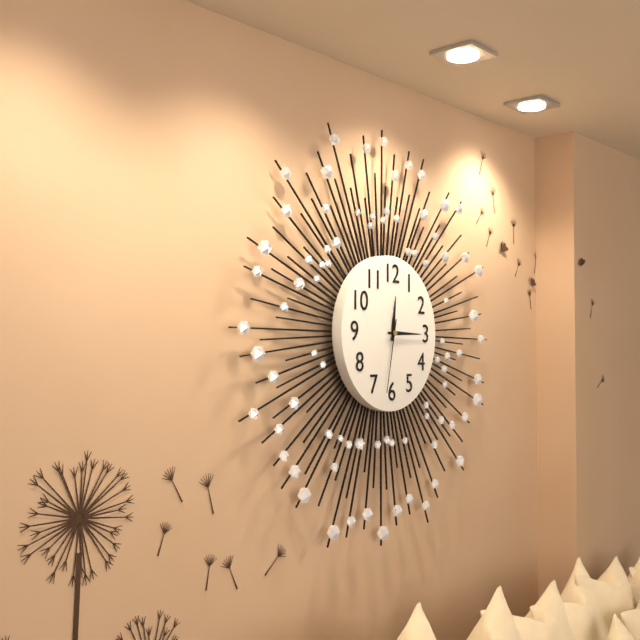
12:15:32
